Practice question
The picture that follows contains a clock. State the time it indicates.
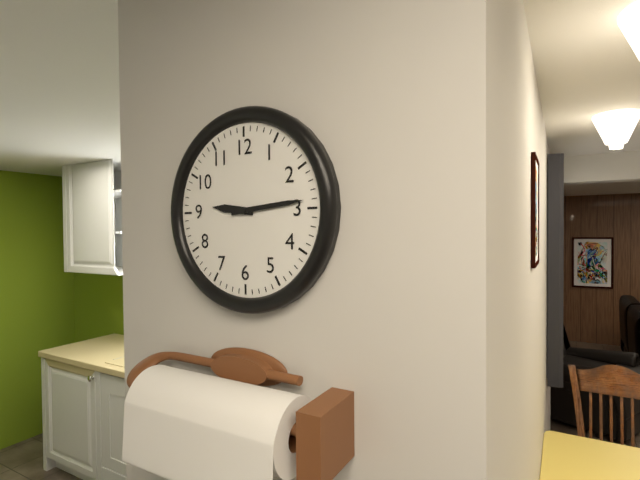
9:14
